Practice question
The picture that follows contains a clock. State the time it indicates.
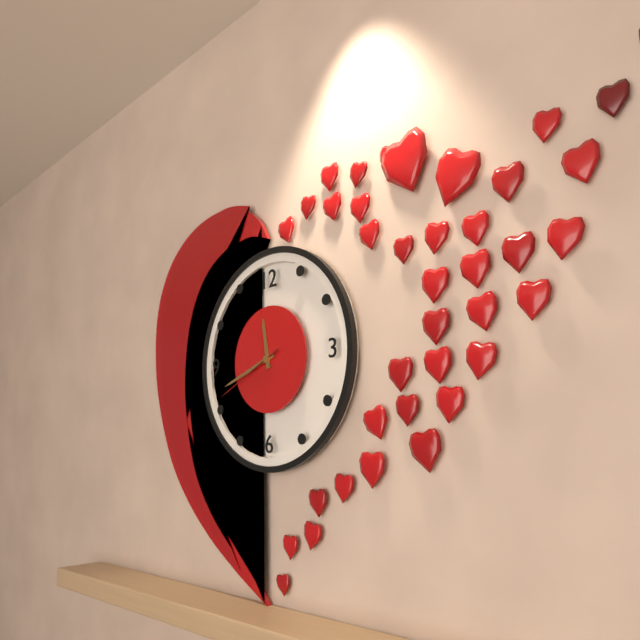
11:42:41
